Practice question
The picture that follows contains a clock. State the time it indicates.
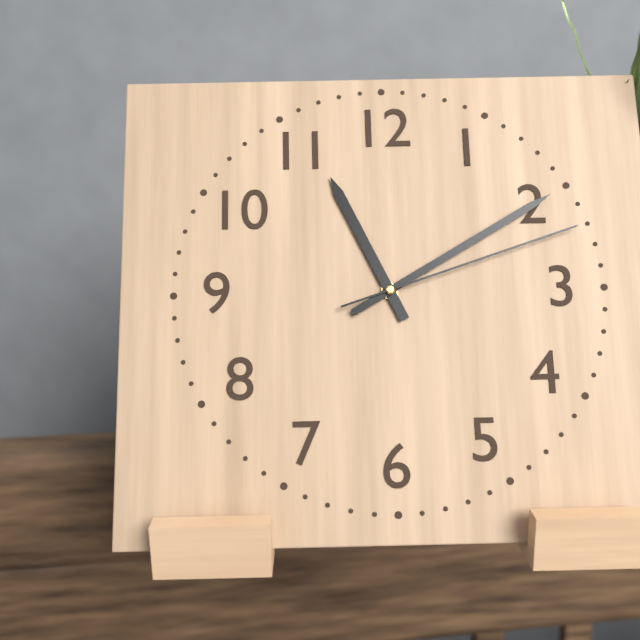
11:10:12
